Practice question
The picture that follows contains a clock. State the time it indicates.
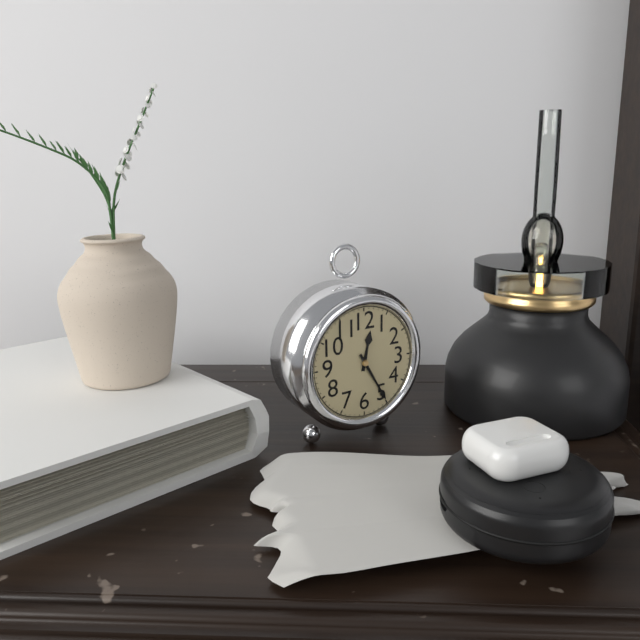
12:25
